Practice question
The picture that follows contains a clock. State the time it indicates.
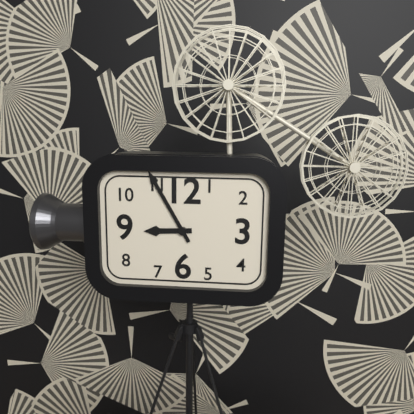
8:55
